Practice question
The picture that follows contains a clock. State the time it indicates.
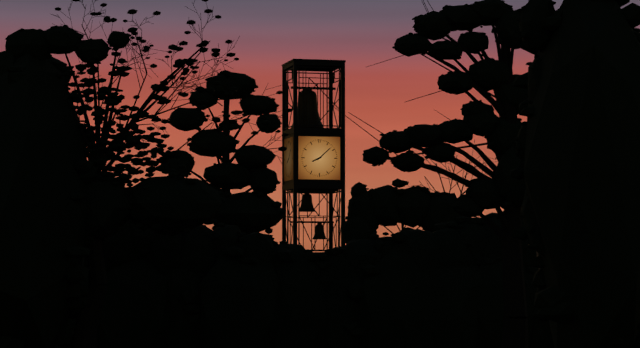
8:08
